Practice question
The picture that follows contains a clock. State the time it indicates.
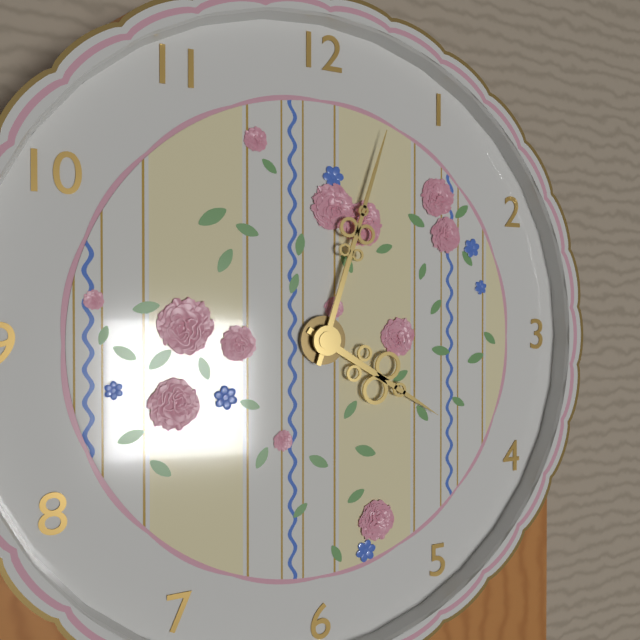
4:03
